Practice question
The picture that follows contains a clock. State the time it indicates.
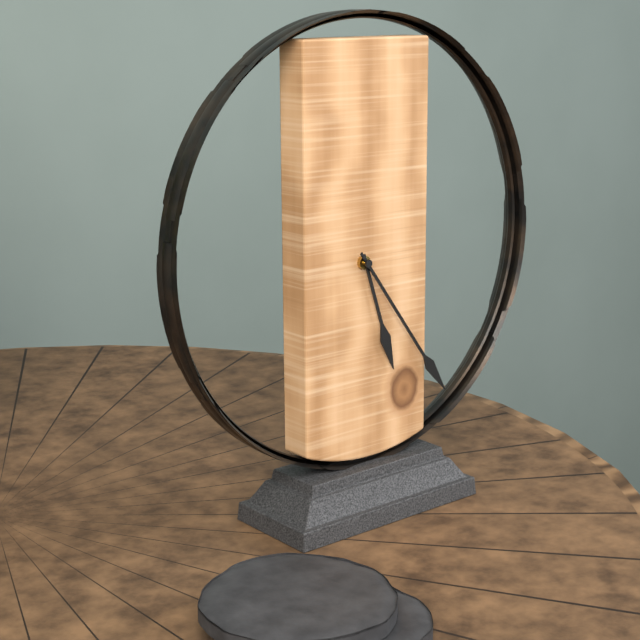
5:24
